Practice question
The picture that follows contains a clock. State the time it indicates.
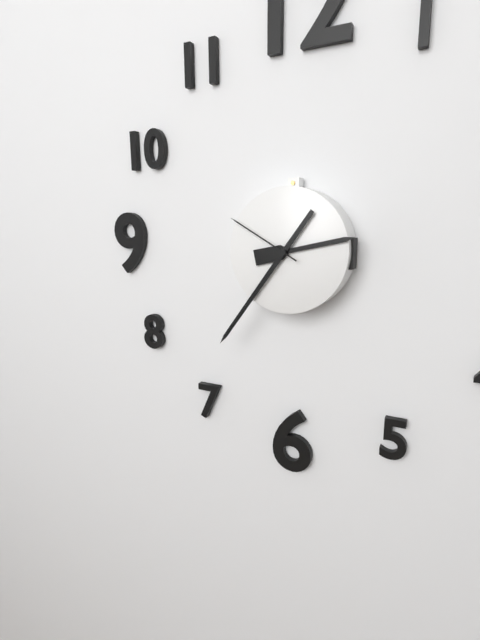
2:36:50
